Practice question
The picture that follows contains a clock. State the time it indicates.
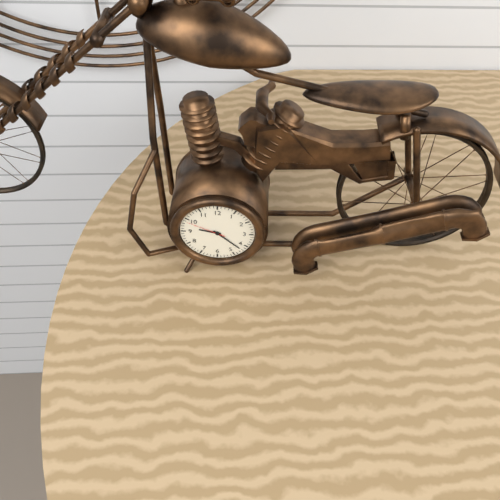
9:22
